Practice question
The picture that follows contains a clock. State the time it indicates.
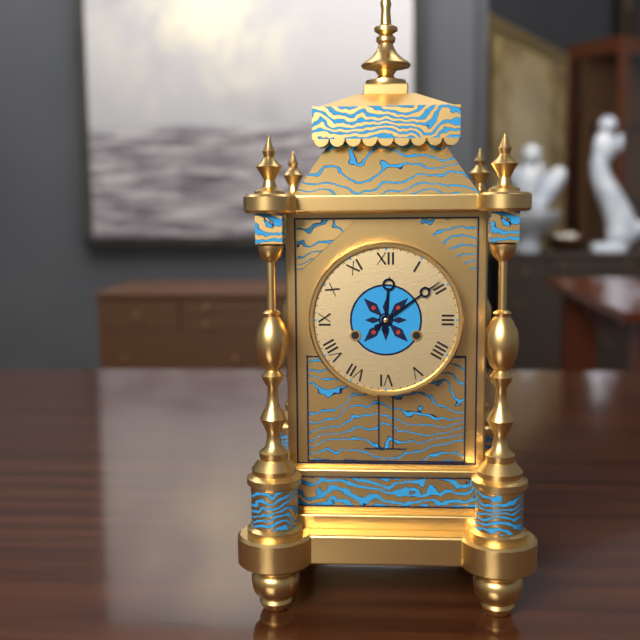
12:09
